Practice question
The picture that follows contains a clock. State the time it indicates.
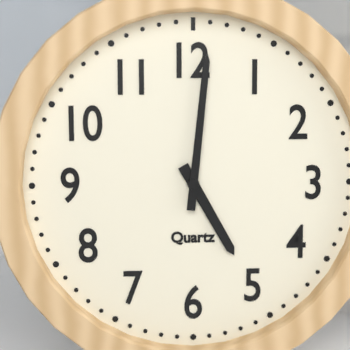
5:01
